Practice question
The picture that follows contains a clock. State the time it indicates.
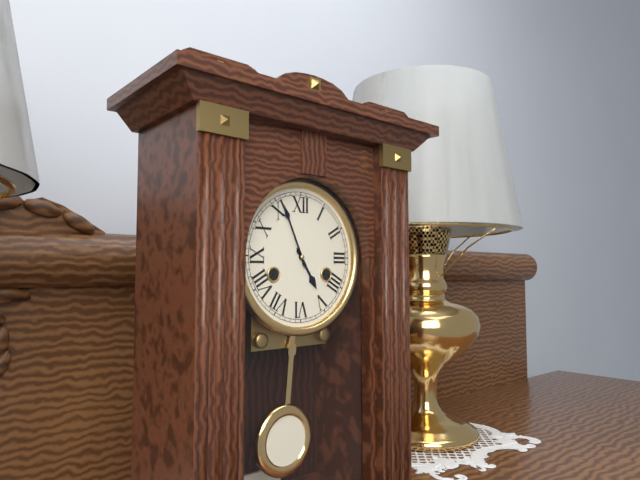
4:56
